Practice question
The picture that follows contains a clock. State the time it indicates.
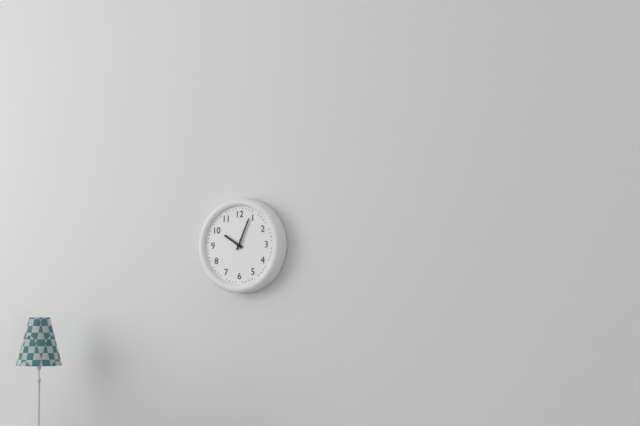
10:04
